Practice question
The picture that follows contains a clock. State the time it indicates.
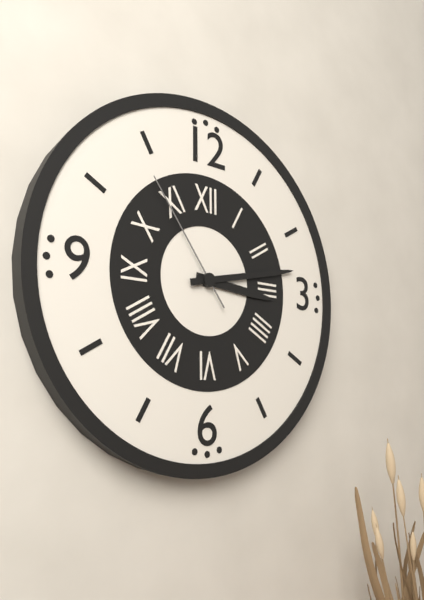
3:13:54
